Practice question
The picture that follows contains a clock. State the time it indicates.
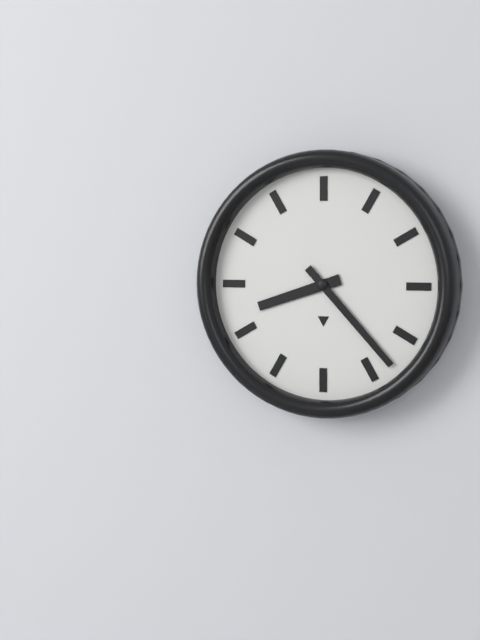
8:23
